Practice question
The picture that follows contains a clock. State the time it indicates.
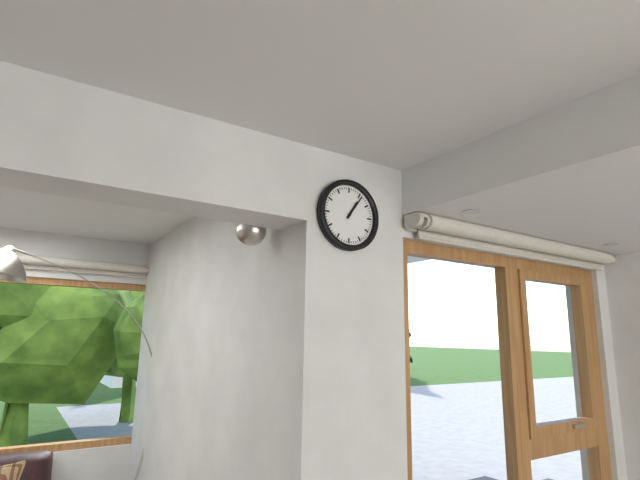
1:06
